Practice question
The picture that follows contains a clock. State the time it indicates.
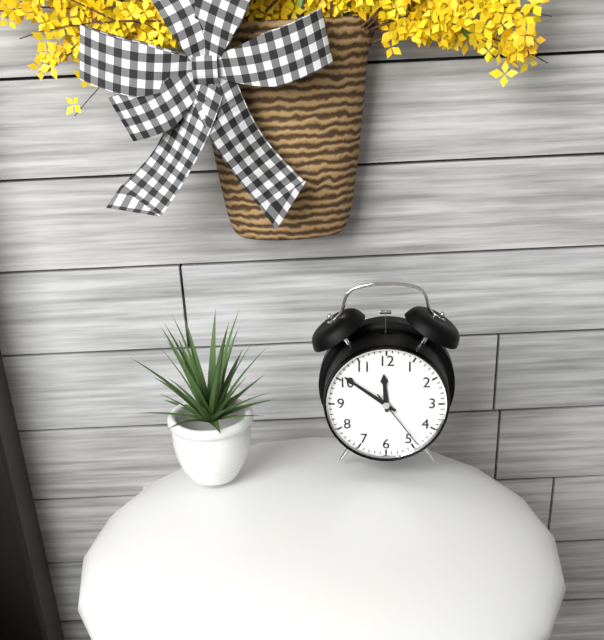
11:51:24
